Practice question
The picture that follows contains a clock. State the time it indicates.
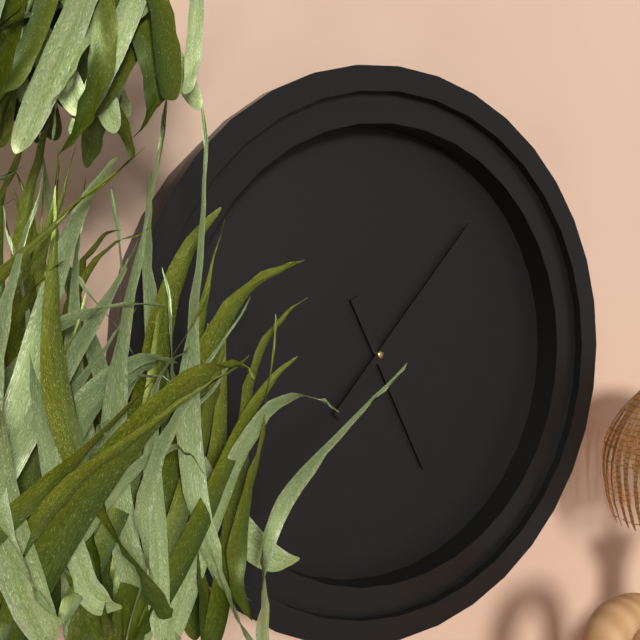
5:07
